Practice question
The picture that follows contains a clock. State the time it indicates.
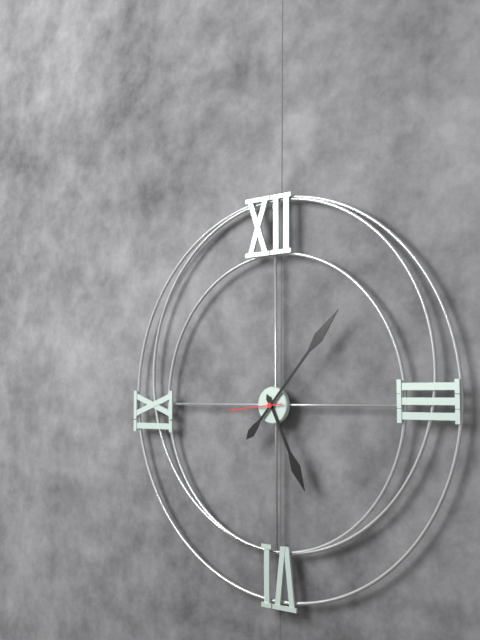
5:07:44
